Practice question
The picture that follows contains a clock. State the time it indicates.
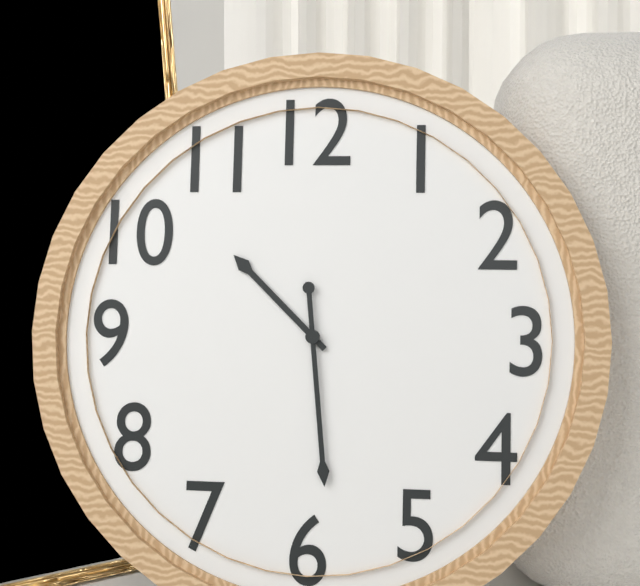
10:29
